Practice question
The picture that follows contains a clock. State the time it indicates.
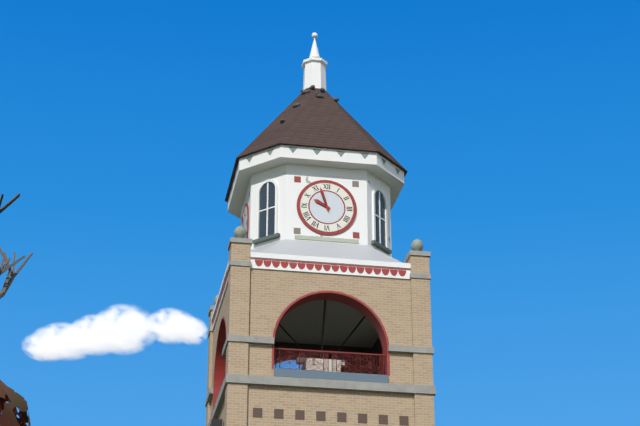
9:57
